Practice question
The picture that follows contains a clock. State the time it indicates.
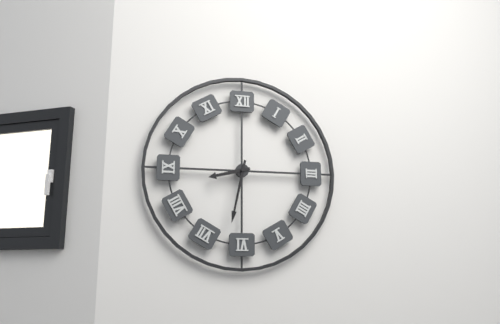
8:32
